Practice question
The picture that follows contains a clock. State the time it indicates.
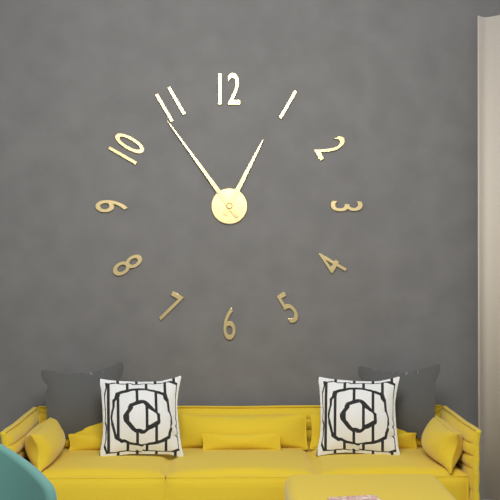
12:54
